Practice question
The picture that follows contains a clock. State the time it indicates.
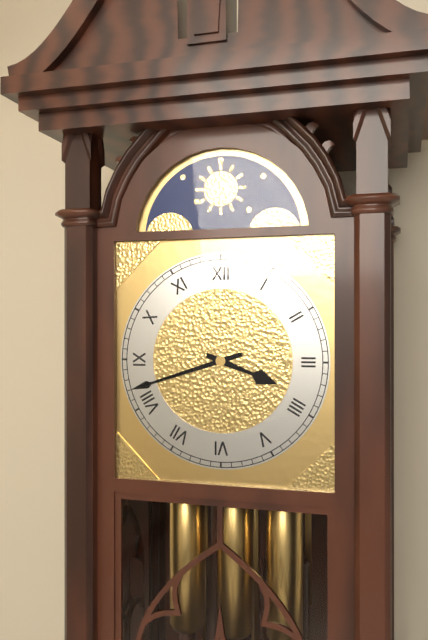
3:42
